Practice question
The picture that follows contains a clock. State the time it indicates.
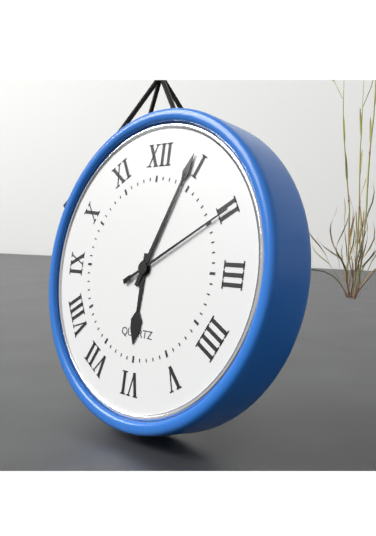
6:04:10
